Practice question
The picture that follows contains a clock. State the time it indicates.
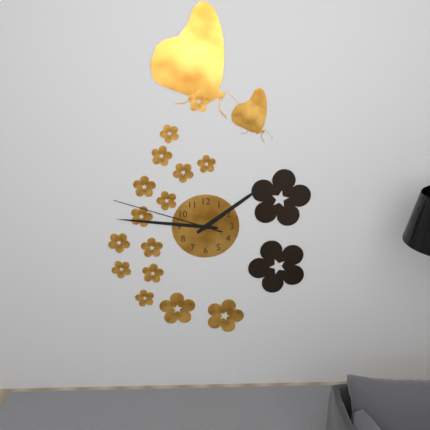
1:46:48
